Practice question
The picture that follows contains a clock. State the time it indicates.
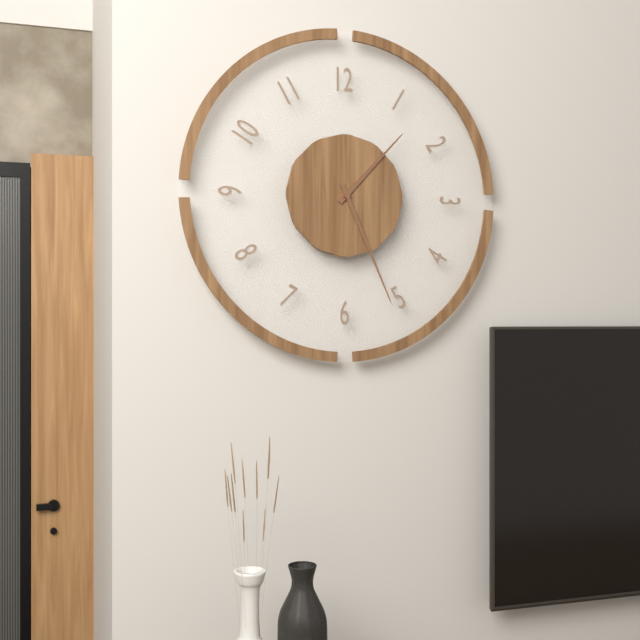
1:26
